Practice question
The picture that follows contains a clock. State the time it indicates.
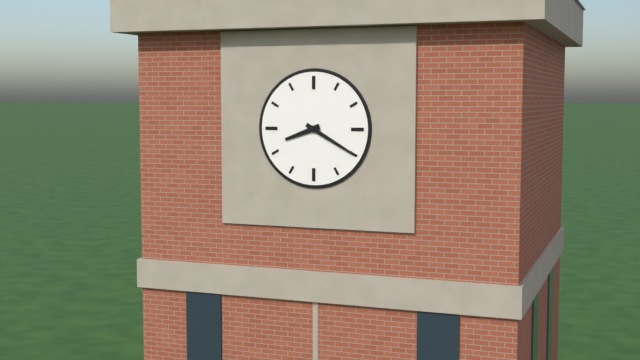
8:20
